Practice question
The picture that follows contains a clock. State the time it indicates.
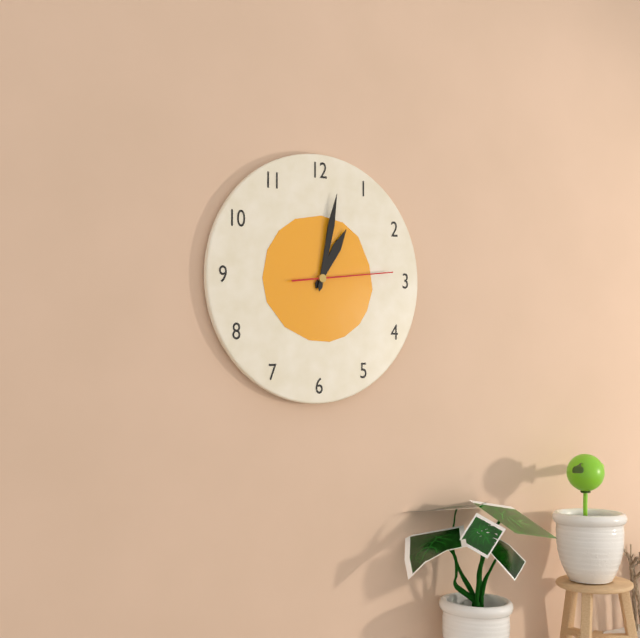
1:02:14
